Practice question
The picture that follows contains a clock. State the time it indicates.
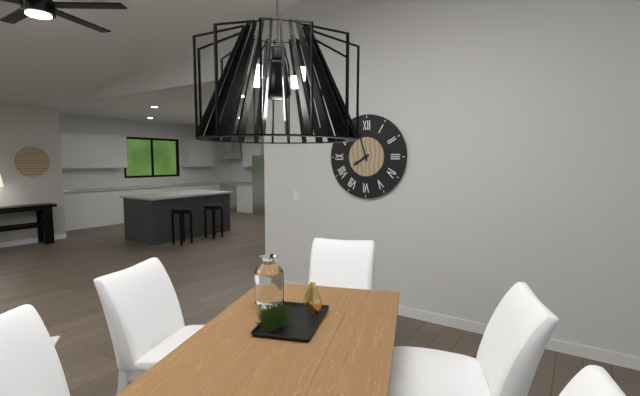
7:57
